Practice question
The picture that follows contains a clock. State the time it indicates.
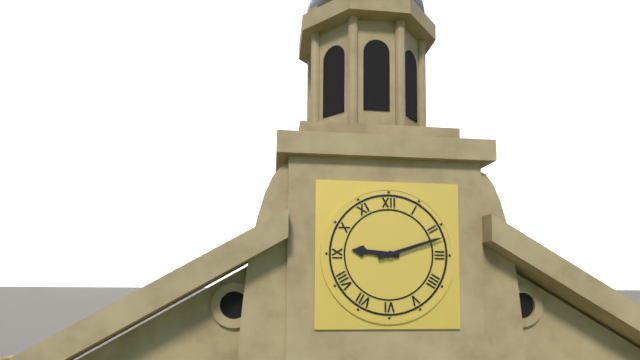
9:12
